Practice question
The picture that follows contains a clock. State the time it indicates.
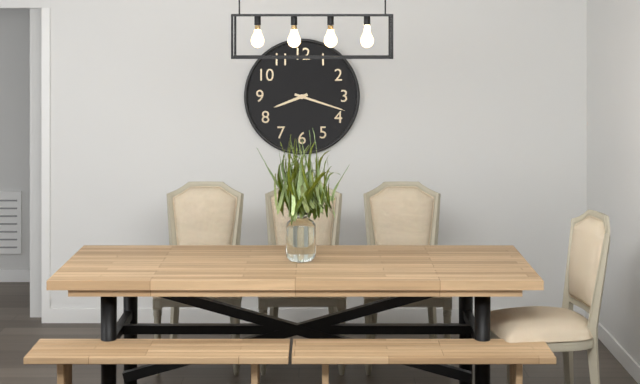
8:18
